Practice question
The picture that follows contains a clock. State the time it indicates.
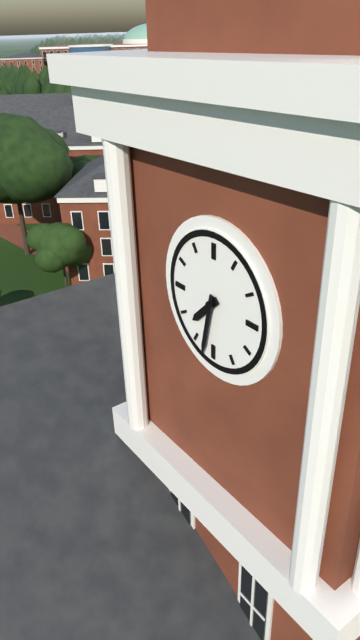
7:32
